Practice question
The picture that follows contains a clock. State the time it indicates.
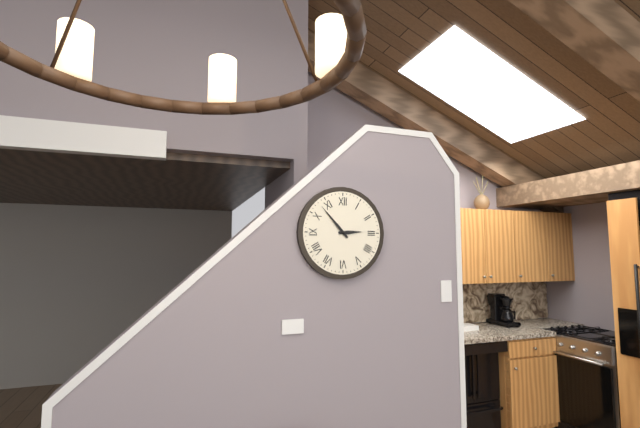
2:53
